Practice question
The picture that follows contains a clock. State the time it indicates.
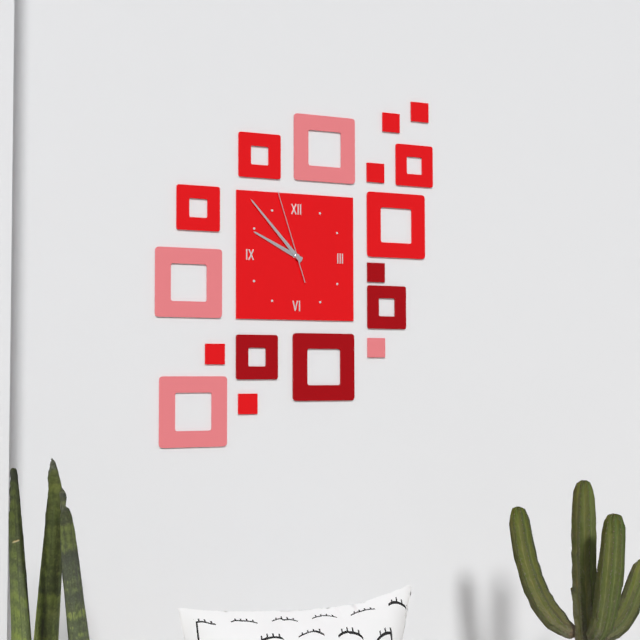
9:53:57
